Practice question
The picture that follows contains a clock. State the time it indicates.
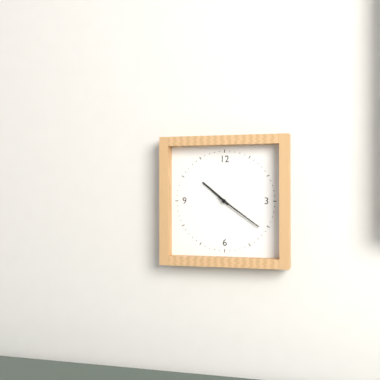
10:21
